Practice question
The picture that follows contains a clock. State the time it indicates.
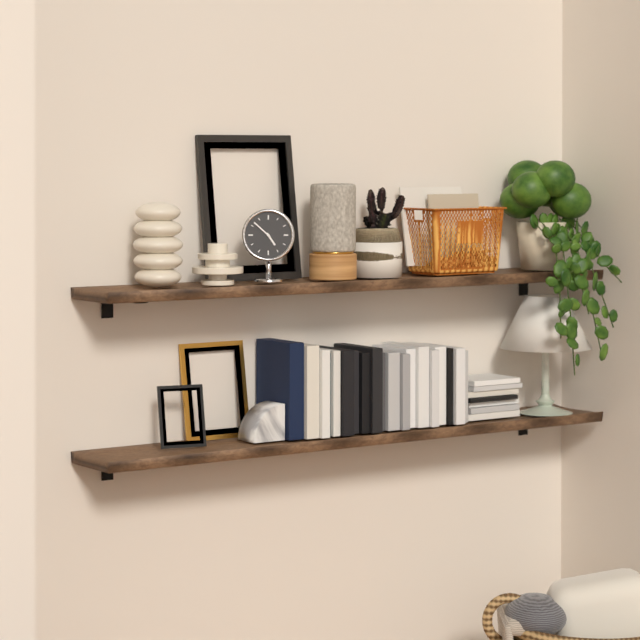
4:52
